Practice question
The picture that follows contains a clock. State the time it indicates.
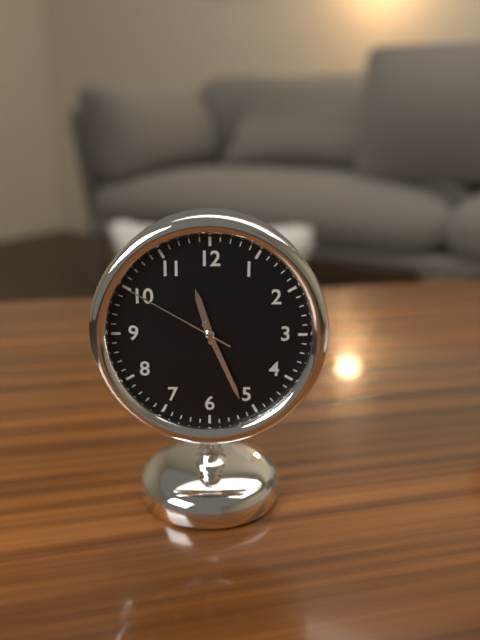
11:26:50
